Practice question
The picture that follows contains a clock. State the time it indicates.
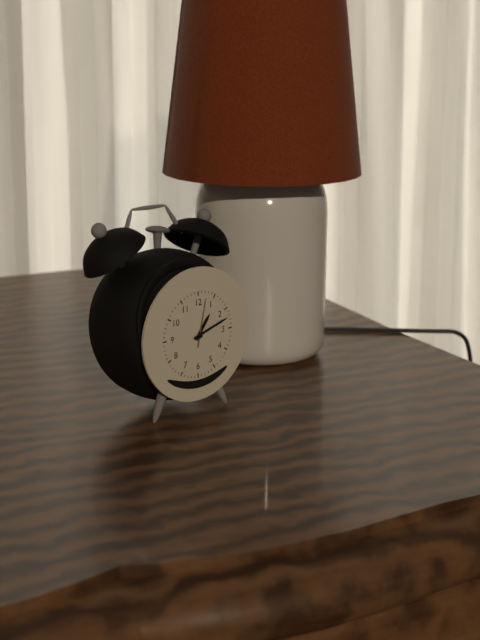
1:12
